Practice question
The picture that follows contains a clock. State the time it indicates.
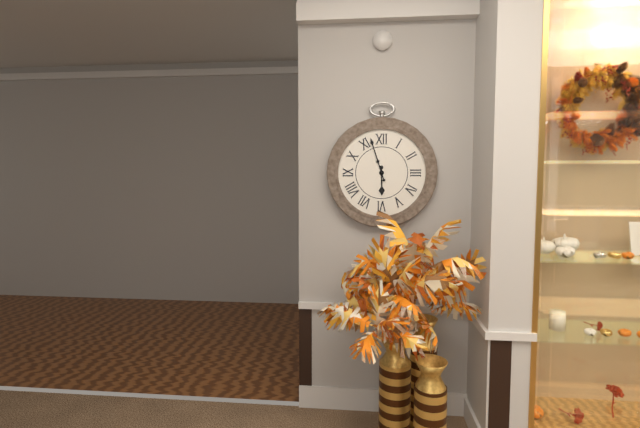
5:57
